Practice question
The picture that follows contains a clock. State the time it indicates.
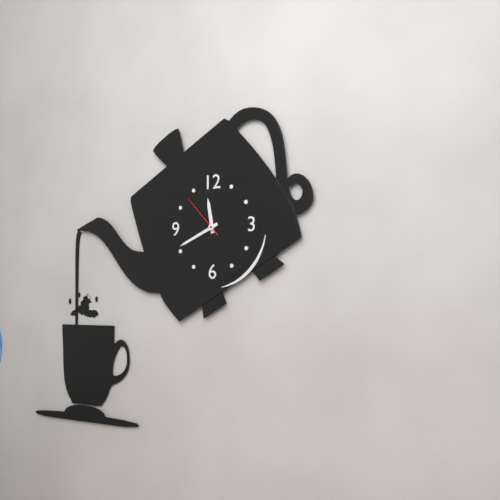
11:41
